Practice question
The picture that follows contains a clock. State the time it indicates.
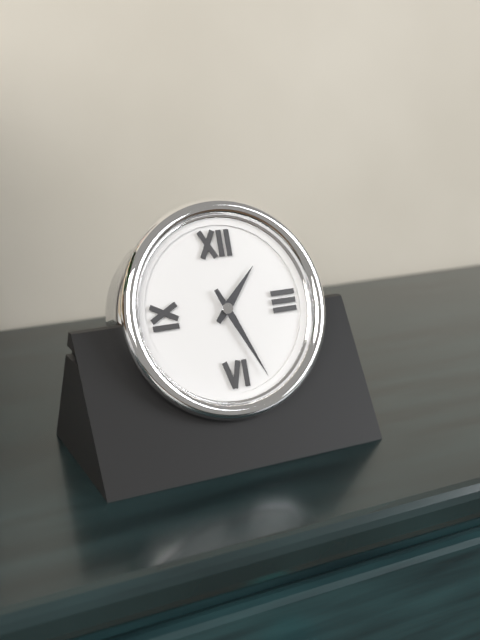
1:26
